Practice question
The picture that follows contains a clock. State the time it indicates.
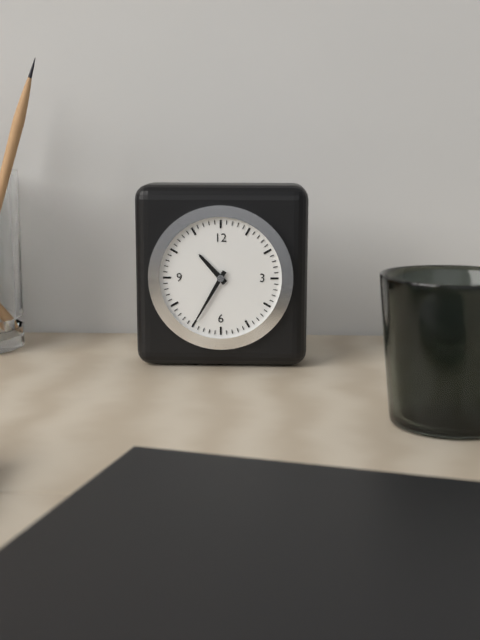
10:35
